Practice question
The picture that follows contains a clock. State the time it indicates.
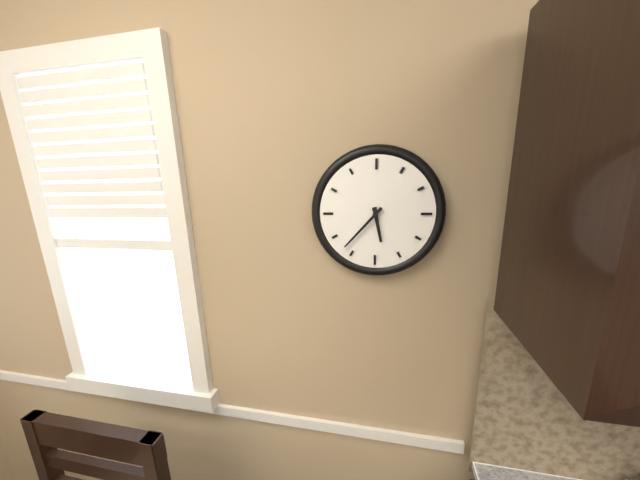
5:37
